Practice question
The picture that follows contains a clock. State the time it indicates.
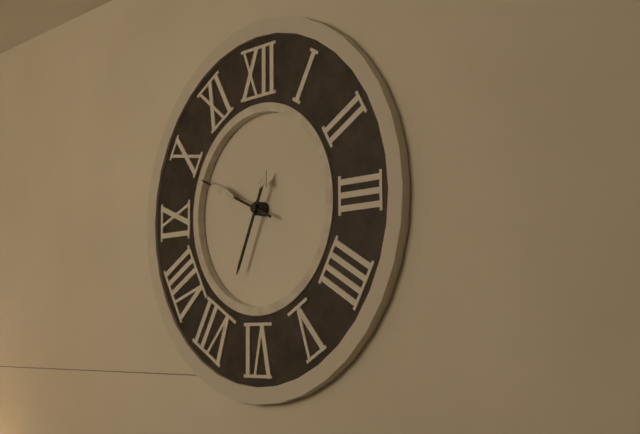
6:49
